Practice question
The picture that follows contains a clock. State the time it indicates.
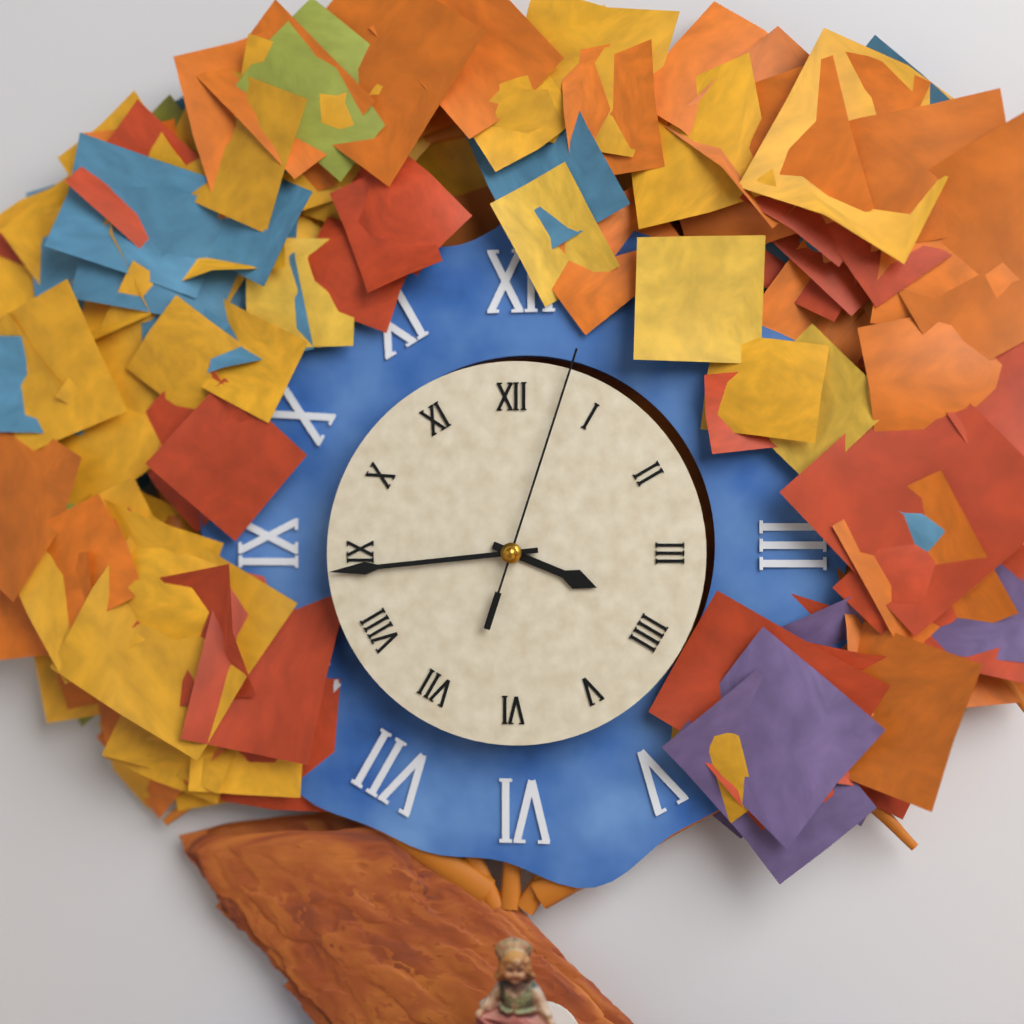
3:44:03
